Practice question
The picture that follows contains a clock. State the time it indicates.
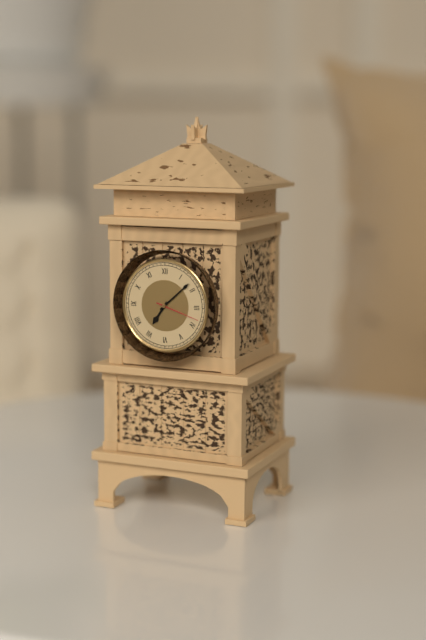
7:08
